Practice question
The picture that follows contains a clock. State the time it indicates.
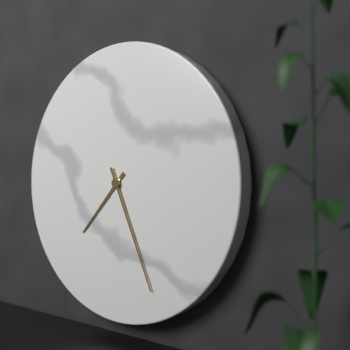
7:26
